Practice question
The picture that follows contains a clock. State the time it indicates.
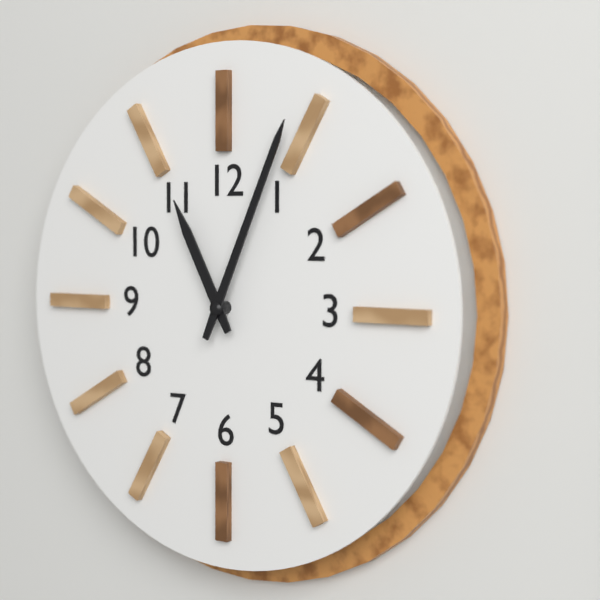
11:04
